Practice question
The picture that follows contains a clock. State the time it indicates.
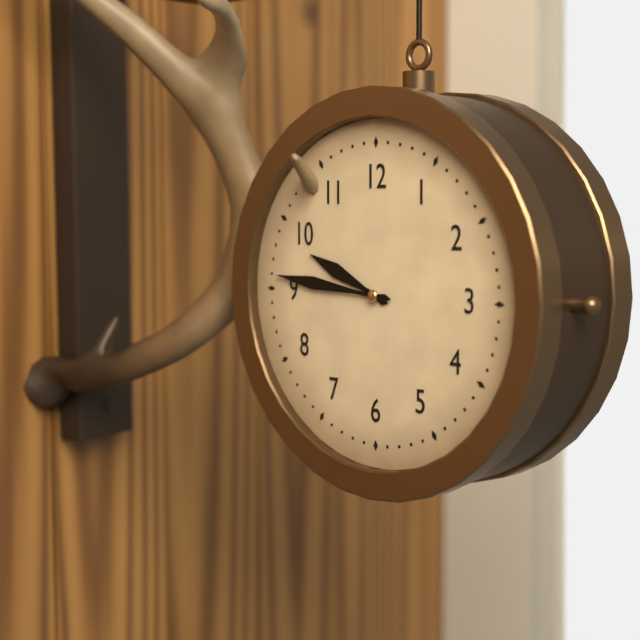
9:46
